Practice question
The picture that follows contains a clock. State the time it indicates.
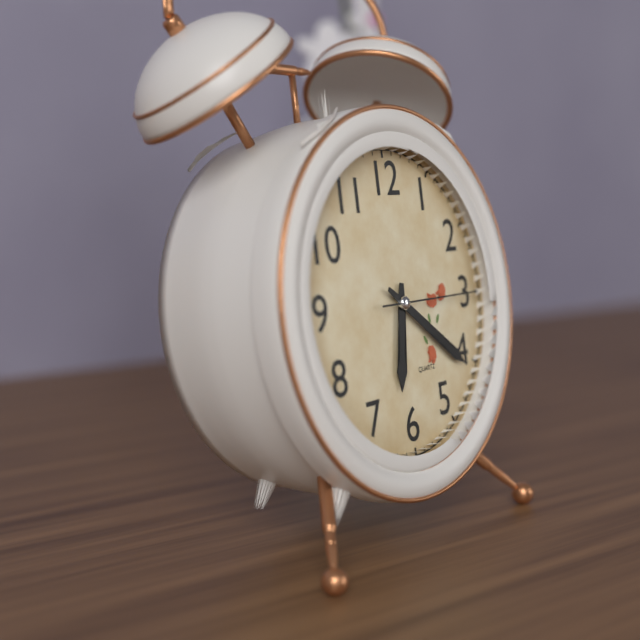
6:21:15
